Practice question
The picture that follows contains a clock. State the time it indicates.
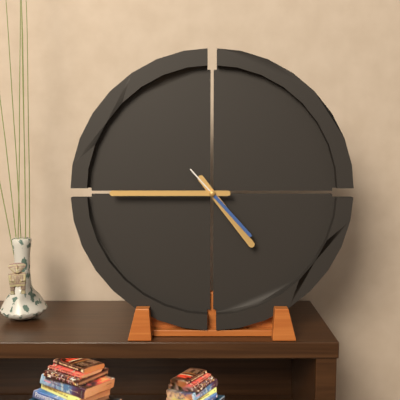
4:45:23
